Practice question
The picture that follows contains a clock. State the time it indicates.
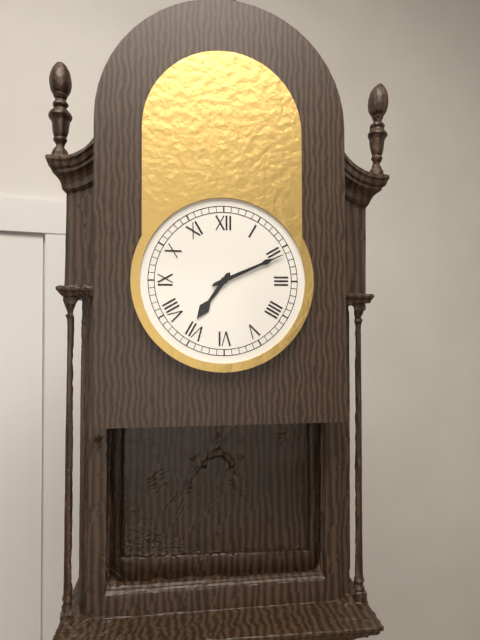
7:11
